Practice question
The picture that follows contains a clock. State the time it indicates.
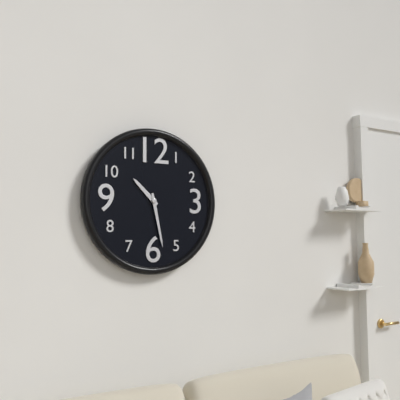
10:28
